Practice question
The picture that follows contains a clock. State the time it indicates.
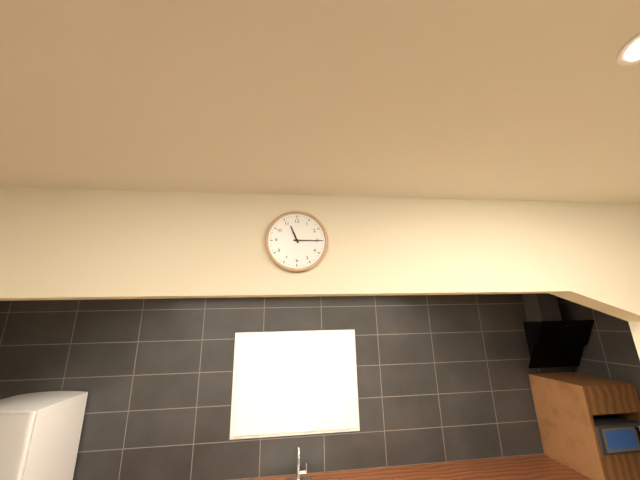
11:15
